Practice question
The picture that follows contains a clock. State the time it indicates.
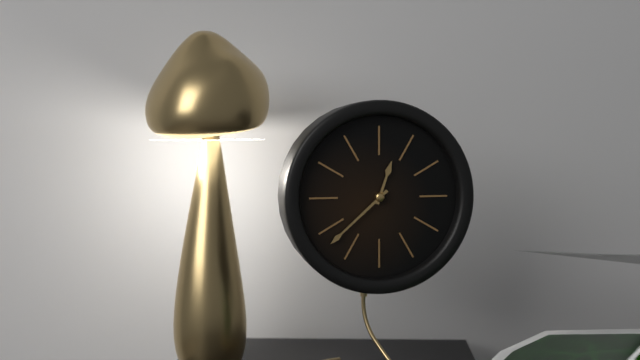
12:38
